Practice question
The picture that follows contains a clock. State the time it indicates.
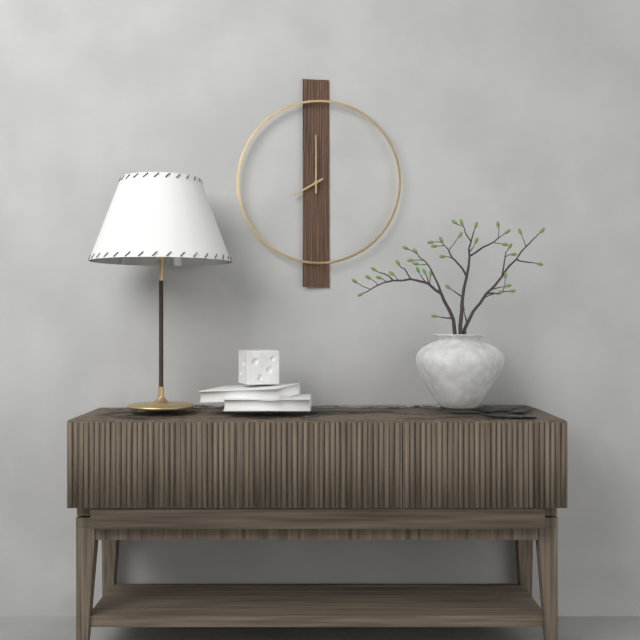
8:00
